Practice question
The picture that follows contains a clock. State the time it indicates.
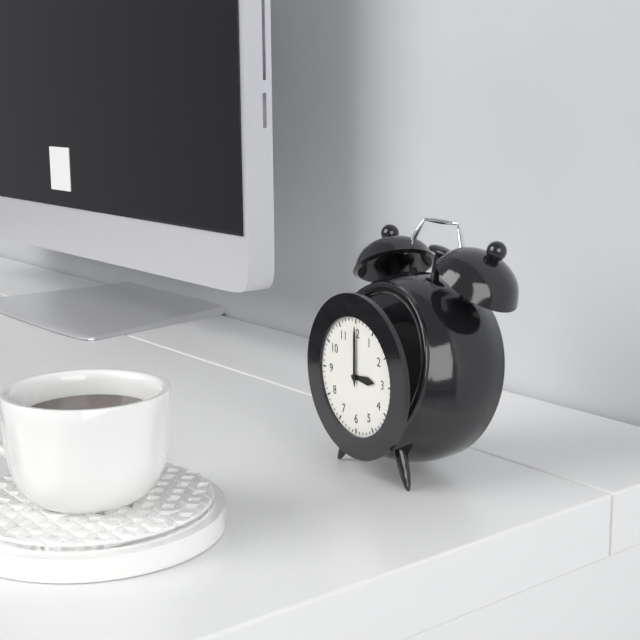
3:00
